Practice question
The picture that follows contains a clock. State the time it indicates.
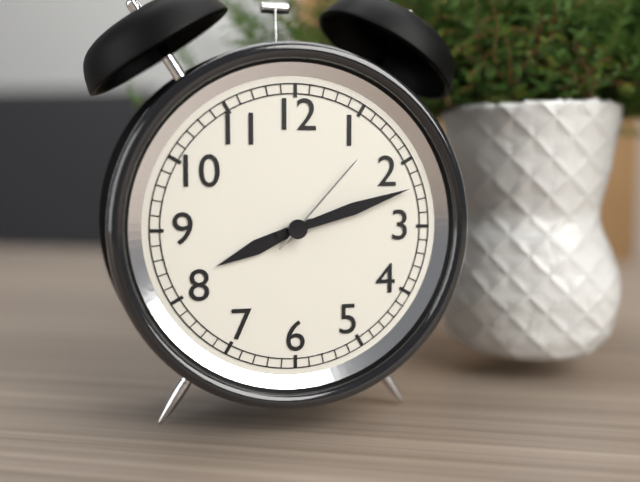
8:12:07
